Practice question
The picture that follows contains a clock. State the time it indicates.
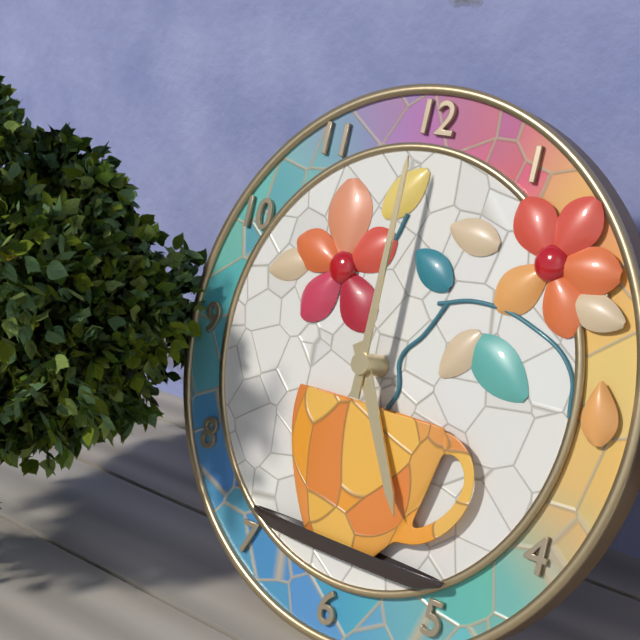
5:00
